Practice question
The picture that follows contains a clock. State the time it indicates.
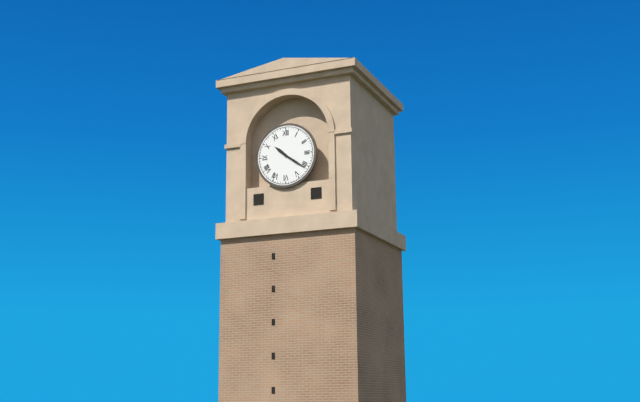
10:21
